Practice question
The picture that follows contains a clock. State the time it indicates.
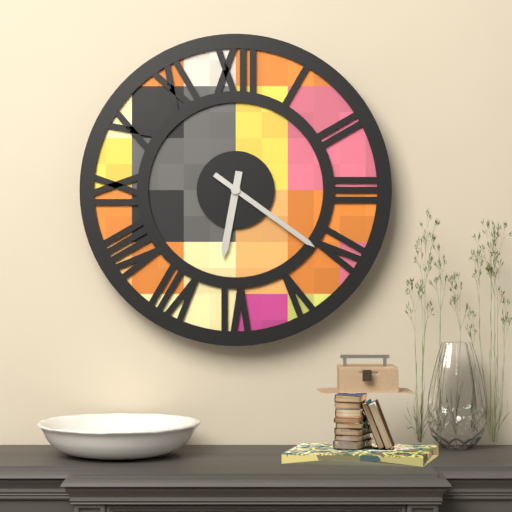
6:21
